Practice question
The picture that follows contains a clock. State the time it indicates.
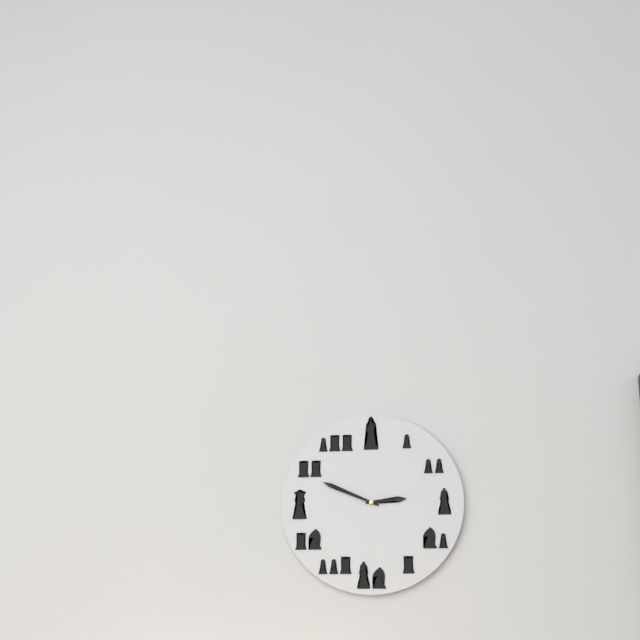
2:49
